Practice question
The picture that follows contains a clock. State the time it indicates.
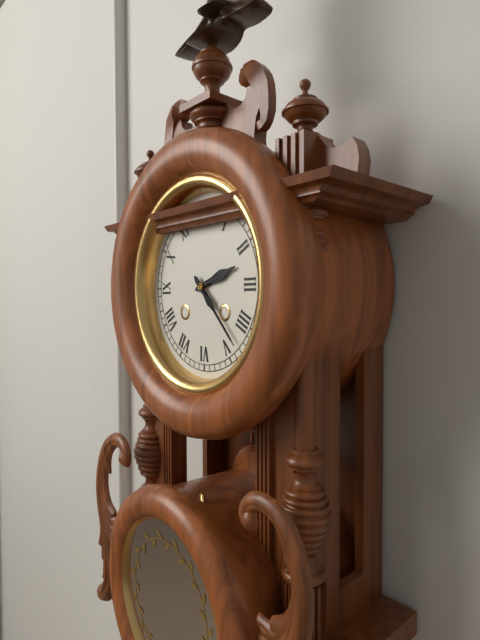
2:23
